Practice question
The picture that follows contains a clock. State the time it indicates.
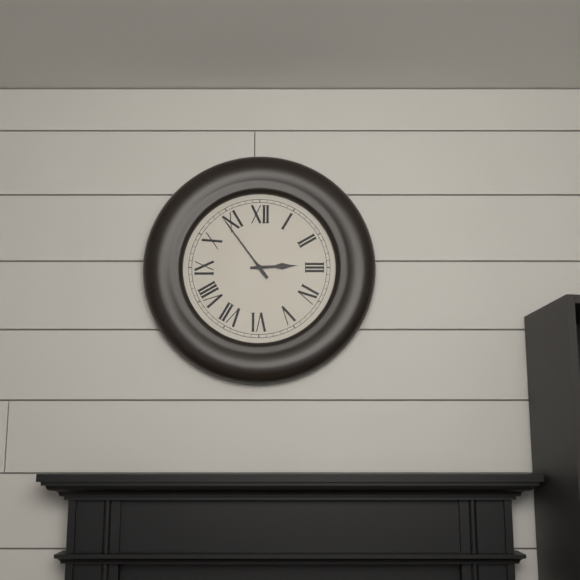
2:54
